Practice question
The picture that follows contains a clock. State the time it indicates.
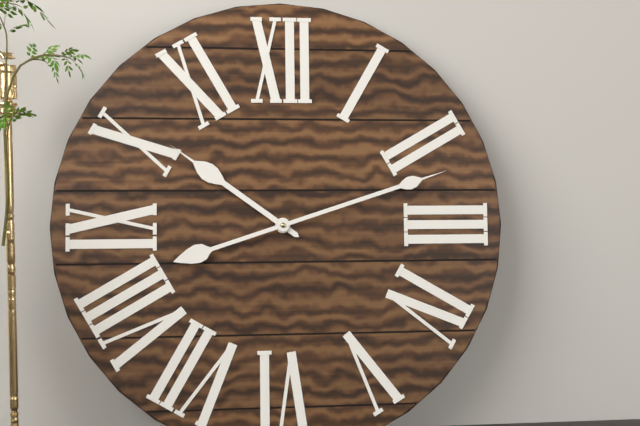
10:12
